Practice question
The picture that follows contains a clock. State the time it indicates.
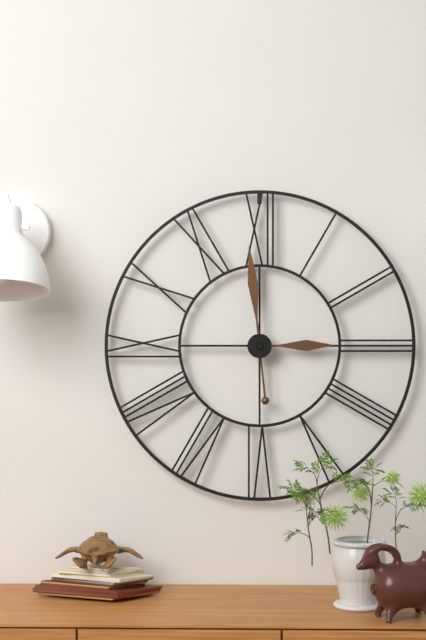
2:59
